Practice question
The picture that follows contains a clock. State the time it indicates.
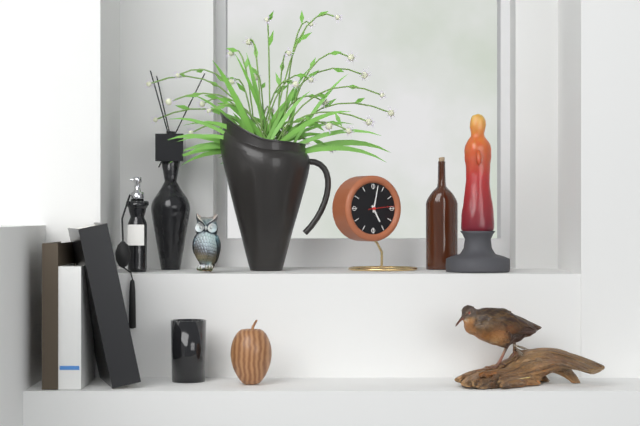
5:02
